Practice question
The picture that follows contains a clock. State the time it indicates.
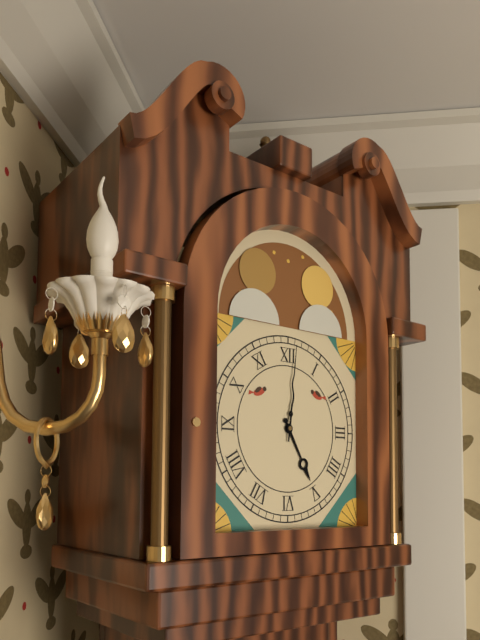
5:01
